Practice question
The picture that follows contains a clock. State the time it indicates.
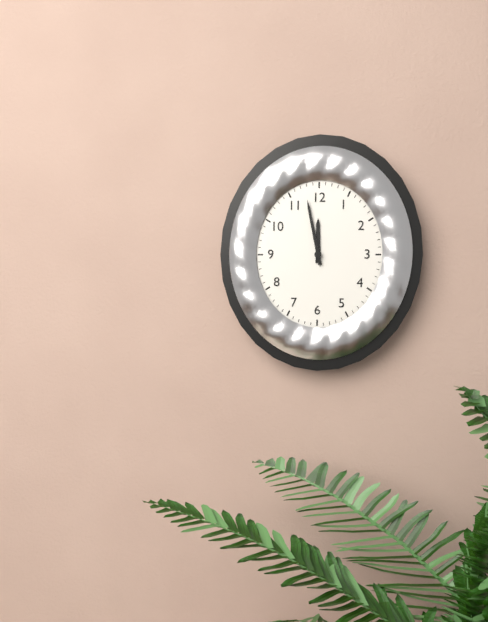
11:58
